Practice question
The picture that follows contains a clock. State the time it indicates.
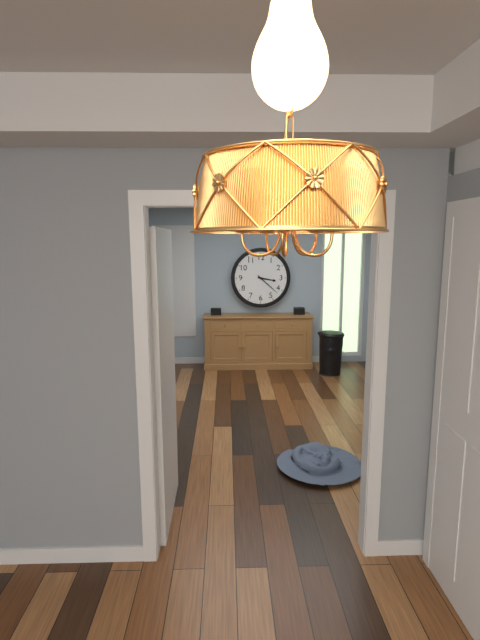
3:22
